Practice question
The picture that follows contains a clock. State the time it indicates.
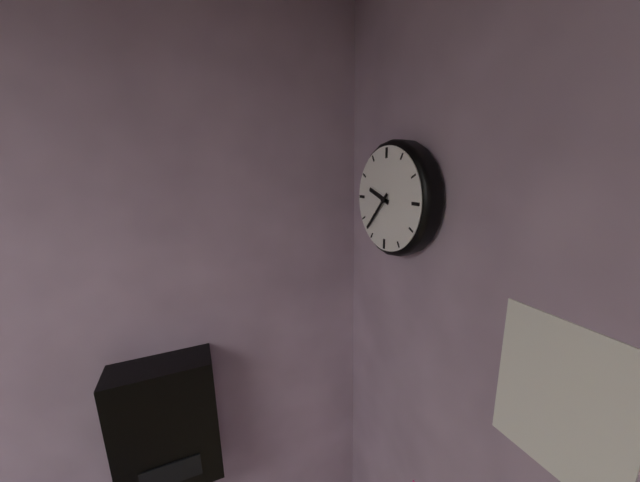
9:37
